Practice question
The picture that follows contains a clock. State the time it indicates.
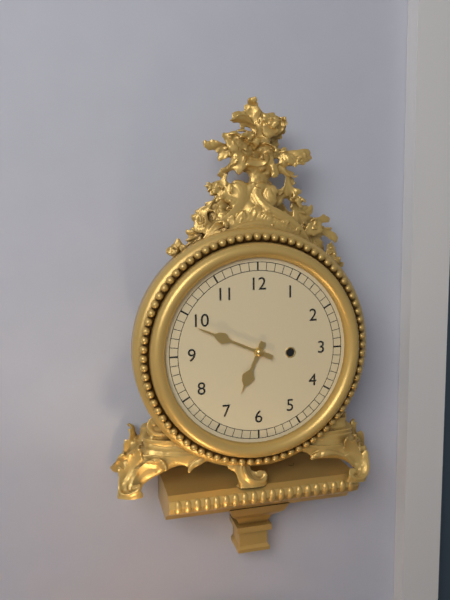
6:49
